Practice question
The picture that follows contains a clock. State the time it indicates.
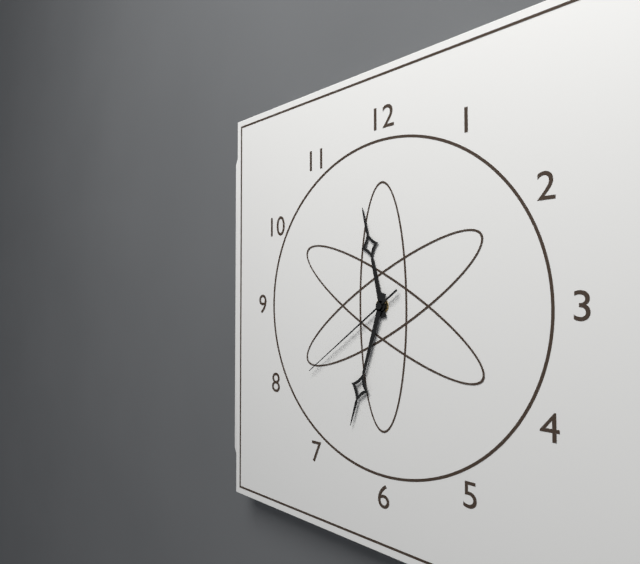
11:33:39
